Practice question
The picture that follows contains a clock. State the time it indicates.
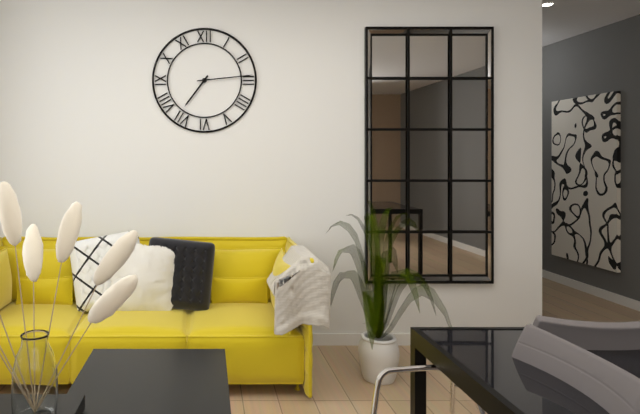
7:14
